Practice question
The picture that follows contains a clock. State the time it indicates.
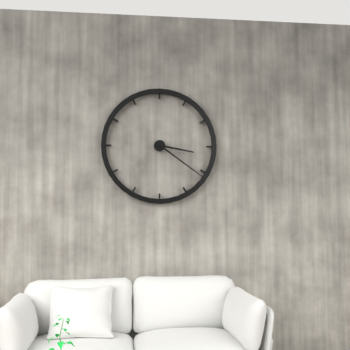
3:21
